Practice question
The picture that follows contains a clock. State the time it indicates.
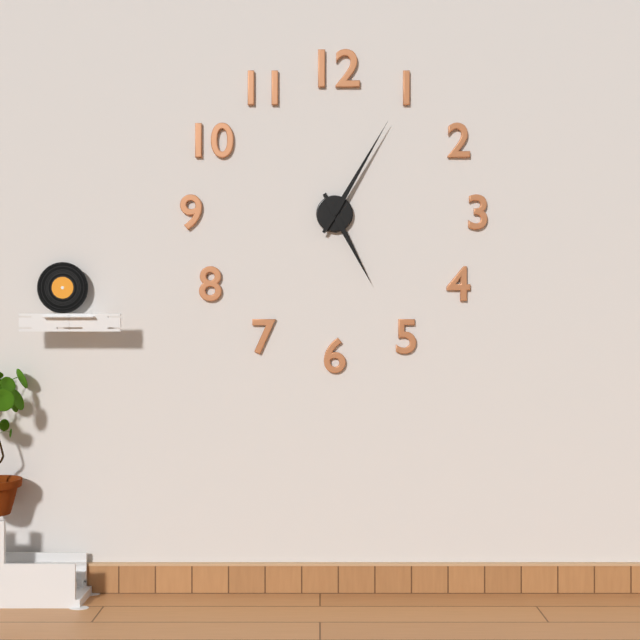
5:05
